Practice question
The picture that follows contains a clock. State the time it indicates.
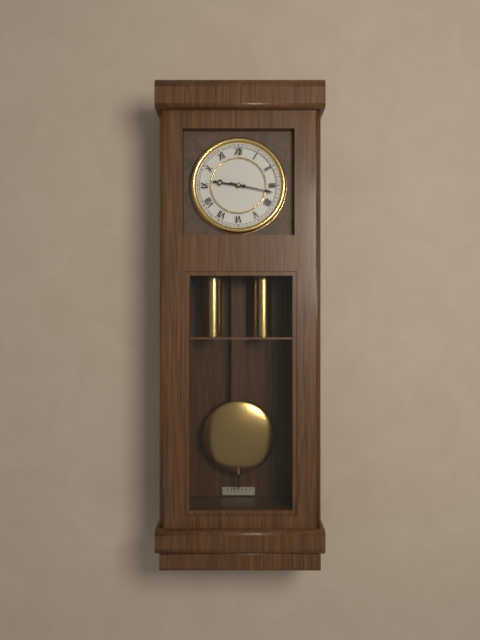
9:17
